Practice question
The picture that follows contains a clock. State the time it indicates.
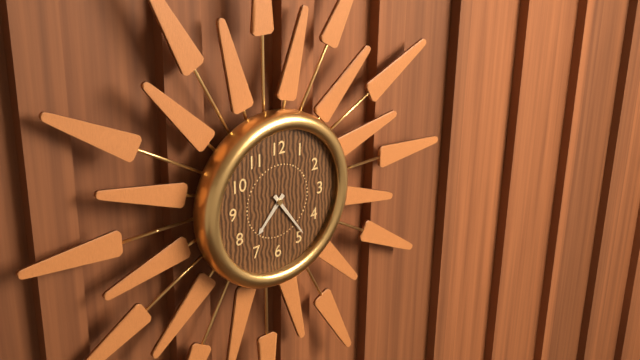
7:24
